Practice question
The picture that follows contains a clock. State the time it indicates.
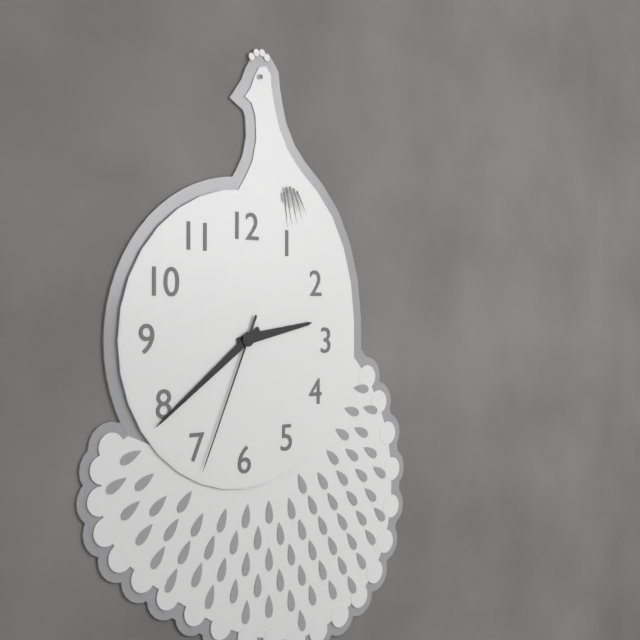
2:39:34
